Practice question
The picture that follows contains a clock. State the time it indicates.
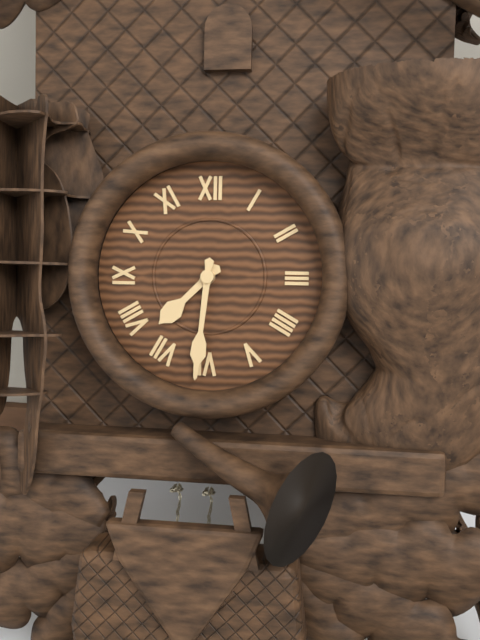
7:31
